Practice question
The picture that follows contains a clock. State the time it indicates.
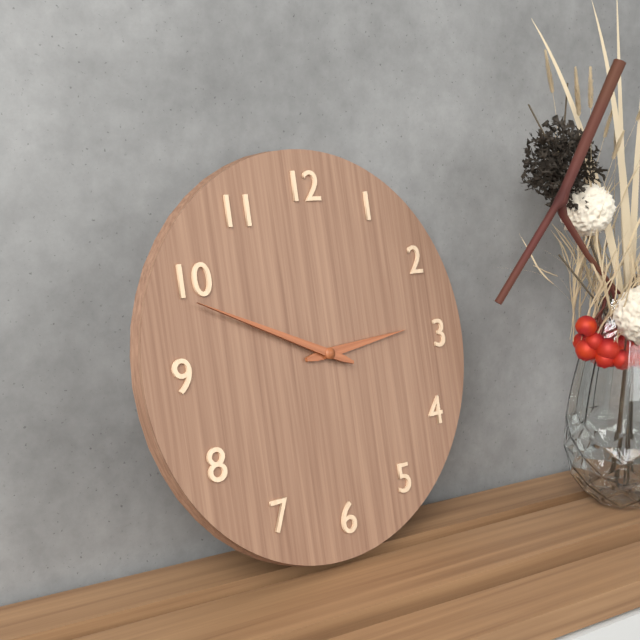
2:49
